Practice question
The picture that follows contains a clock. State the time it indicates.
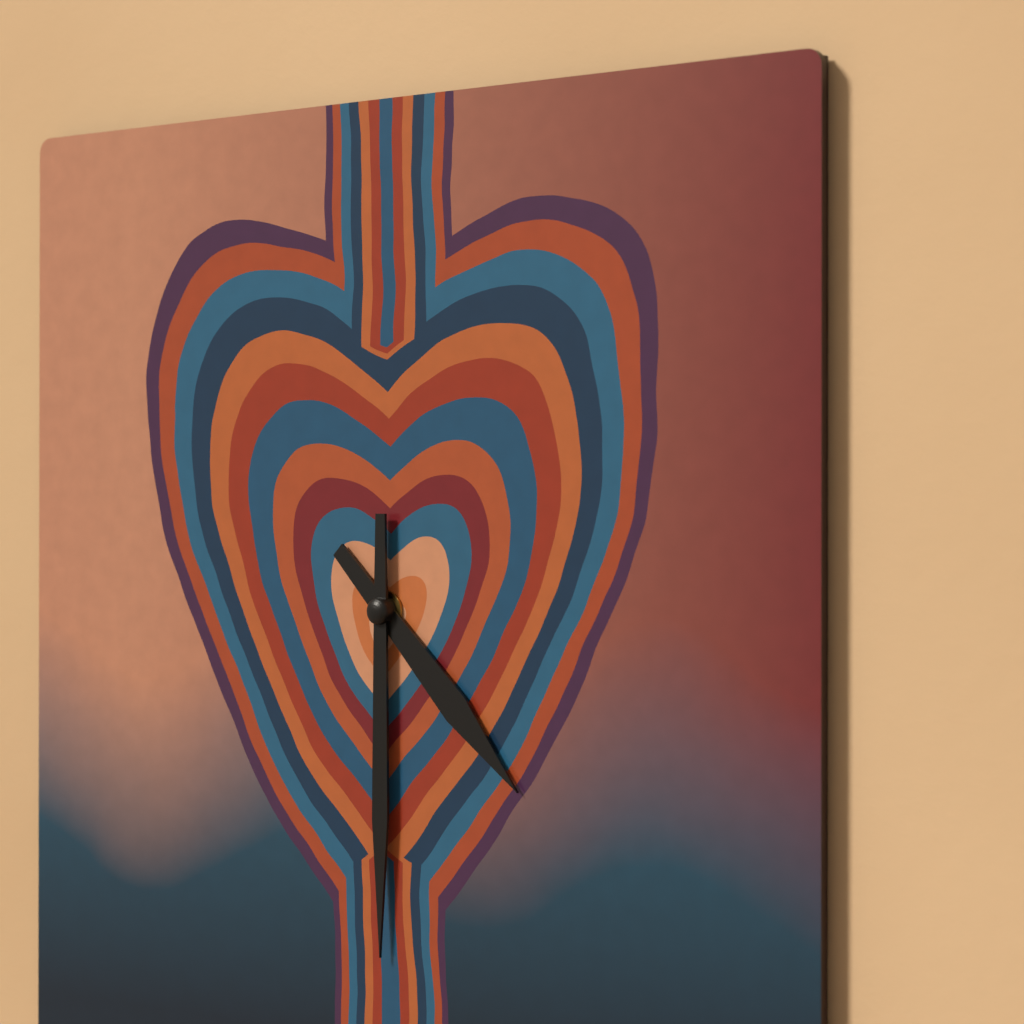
4:30
